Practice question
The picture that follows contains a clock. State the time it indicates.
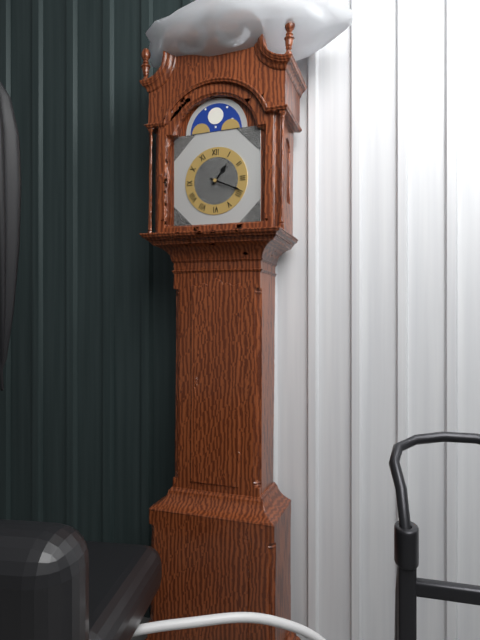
1:19
